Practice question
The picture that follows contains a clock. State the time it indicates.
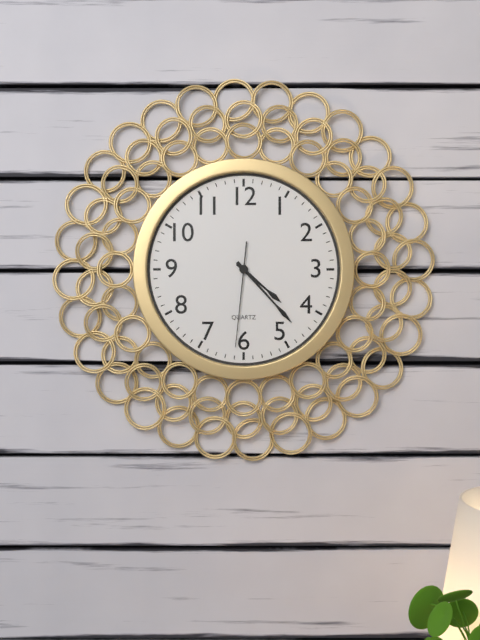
4:23:31
